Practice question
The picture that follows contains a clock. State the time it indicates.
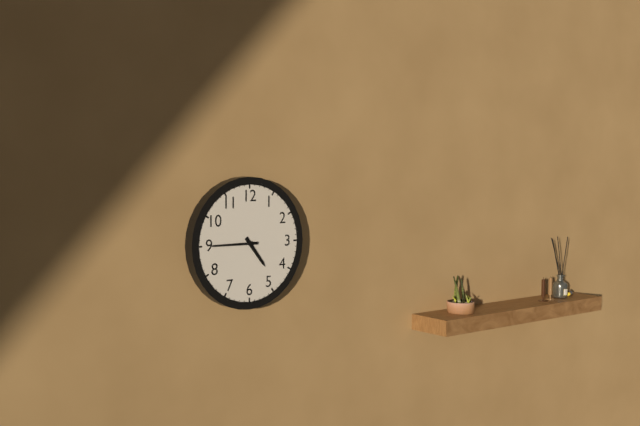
4:45
